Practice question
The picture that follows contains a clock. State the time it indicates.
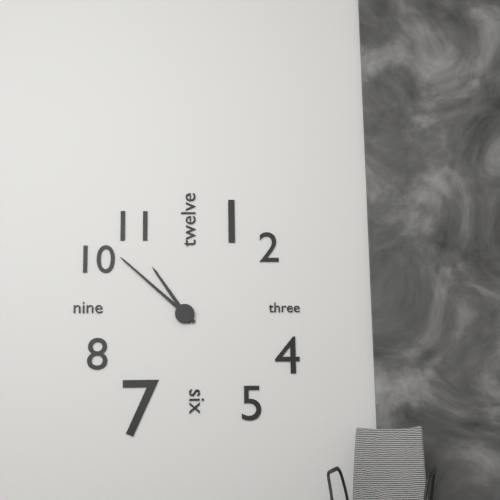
10:52
